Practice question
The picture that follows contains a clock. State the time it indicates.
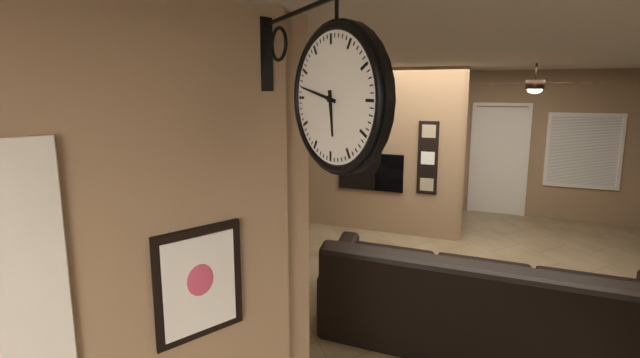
5:47
